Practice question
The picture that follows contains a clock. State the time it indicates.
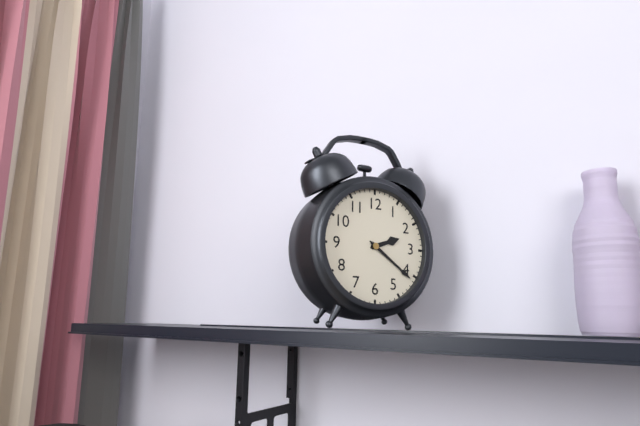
2:21
